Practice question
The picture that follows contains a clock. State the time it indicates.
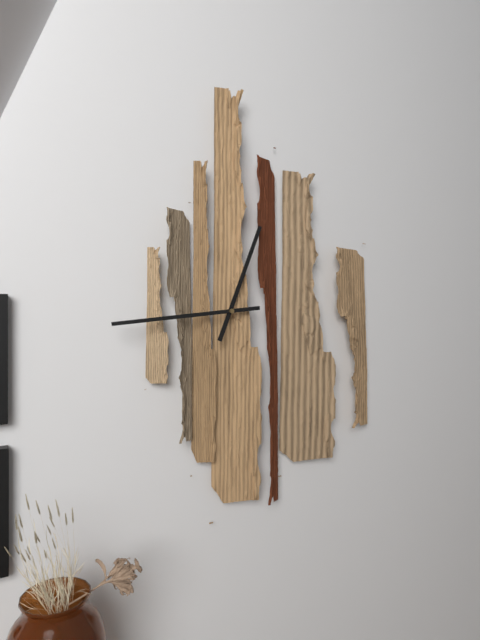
12:44
